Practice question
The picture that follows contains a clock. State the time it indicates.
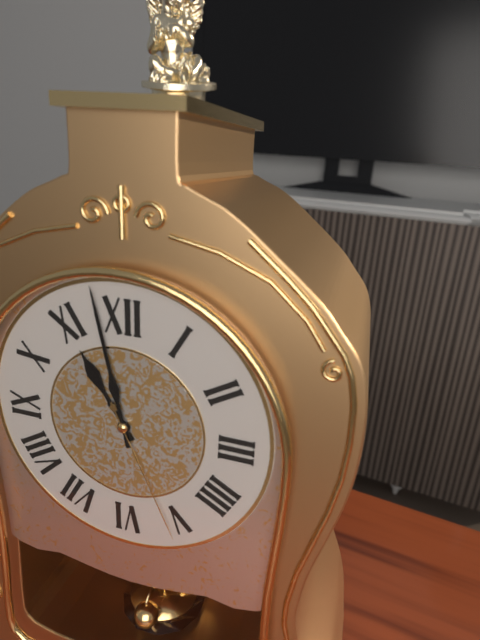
10:58:26
